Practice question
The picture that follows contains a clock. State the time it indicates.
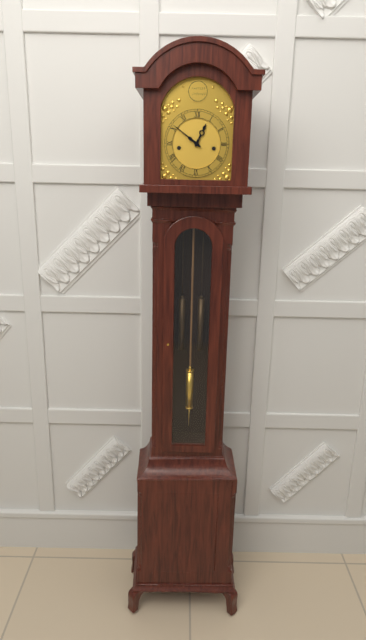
12:51
